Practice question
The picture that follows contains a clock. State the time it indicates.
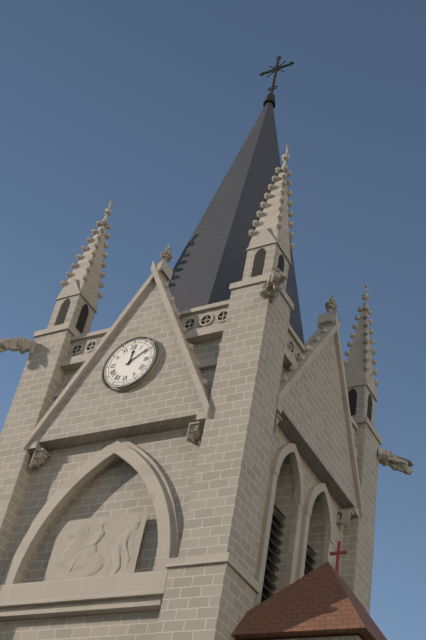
12:09
